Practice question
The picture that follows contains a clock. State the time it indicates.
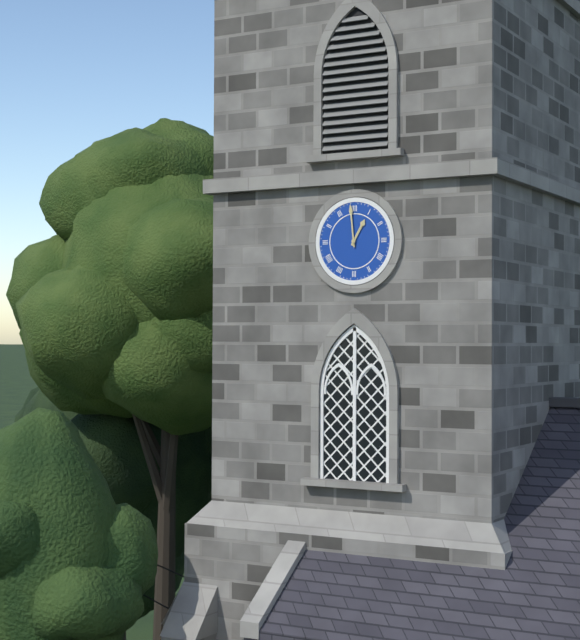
12:59
